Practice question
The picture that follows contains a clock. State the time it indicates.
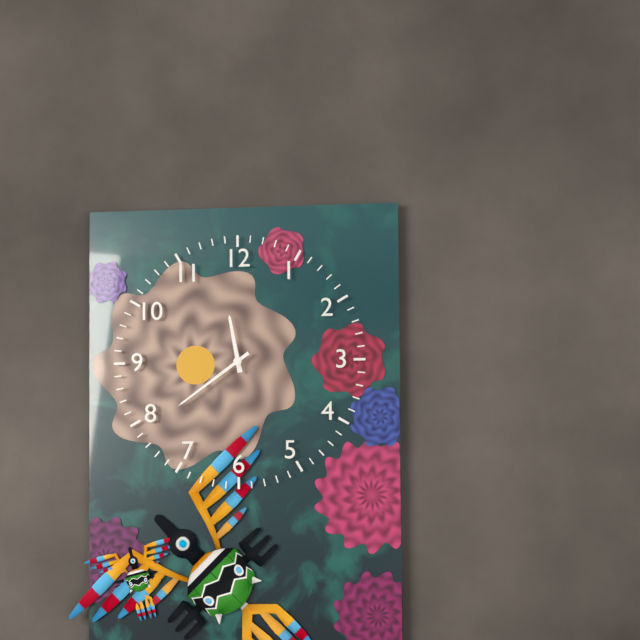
11:39
